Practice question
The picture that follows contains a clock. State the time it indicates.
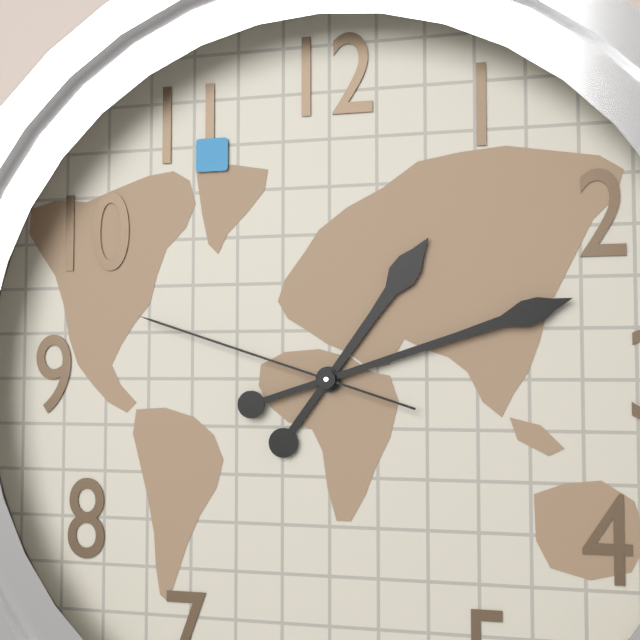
1:12:48
